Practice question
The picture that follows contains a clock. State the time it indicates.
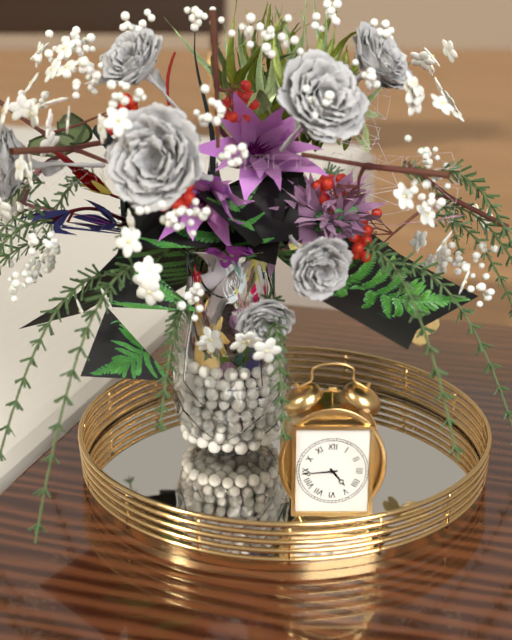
4:44
